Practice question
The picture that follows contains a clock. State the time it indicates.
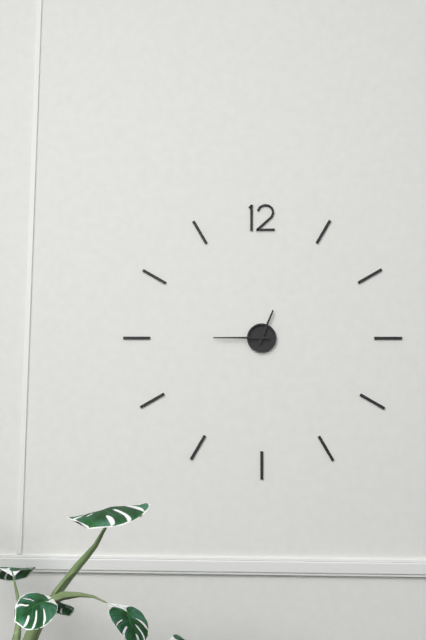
12:45
